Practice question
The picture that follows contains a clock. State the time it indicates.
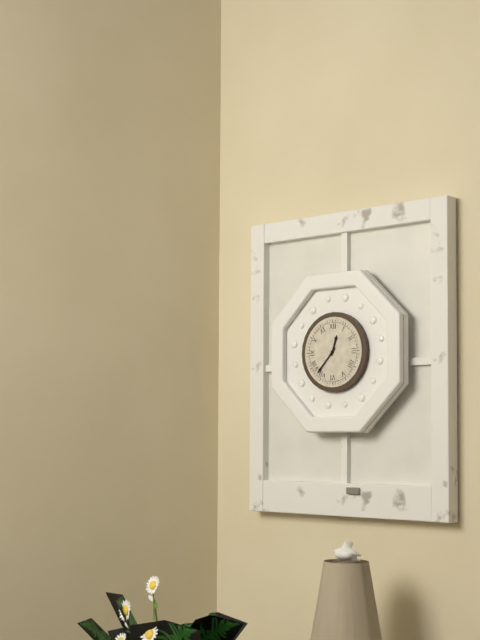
12:37
